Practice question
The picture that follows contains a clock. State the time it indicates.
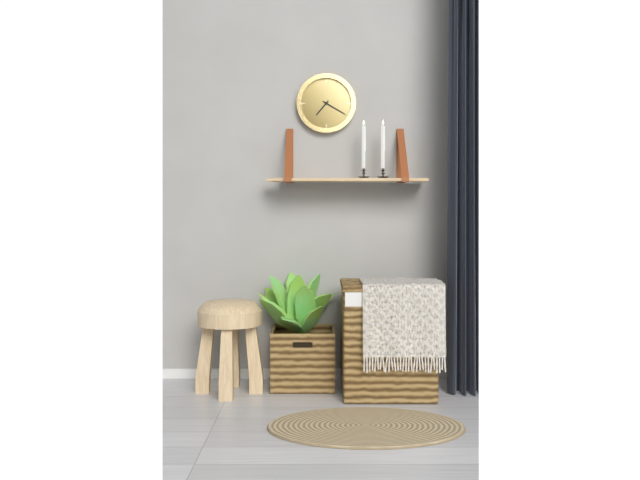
7:20
